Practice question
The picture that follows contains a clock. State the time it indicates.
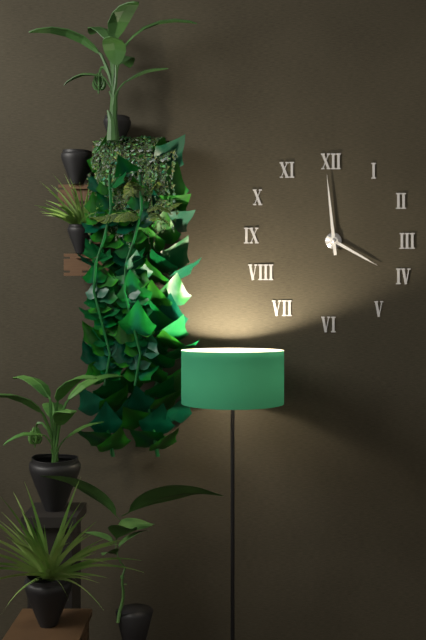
3:59
